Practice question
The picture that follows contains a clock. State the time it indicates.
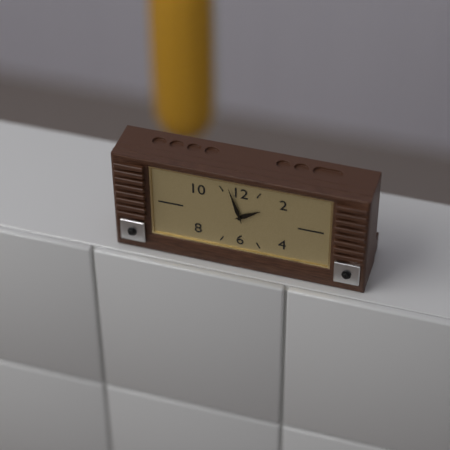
1:57
